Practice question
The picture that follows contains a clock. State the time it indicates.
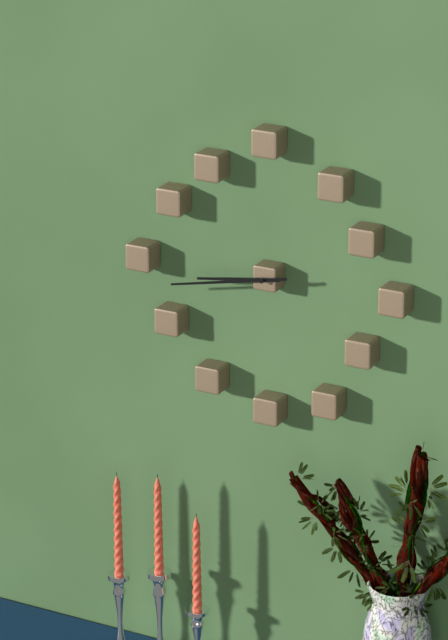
8:43
